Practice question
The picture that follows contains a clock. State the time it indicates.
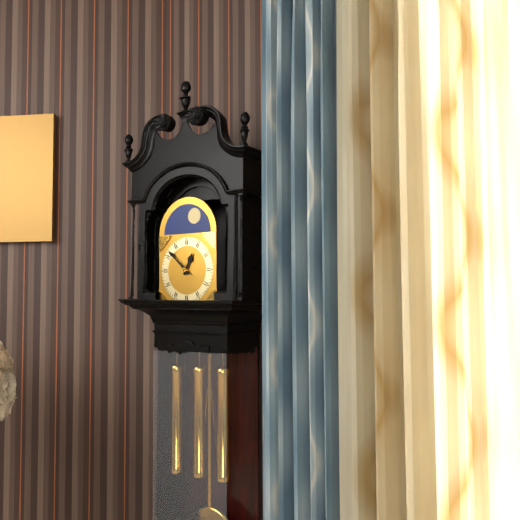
12:52
